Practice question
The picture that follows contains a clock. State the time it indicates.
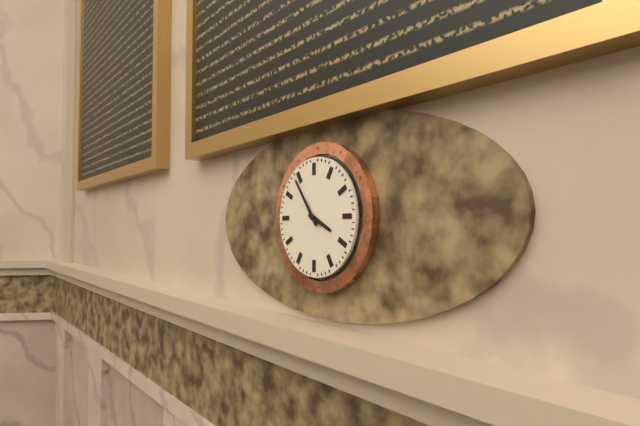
3:54
